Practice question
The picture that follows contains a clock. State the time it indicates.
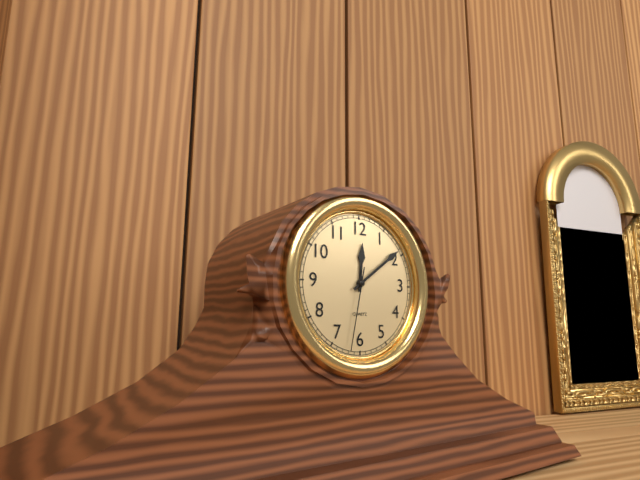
12:09:32
